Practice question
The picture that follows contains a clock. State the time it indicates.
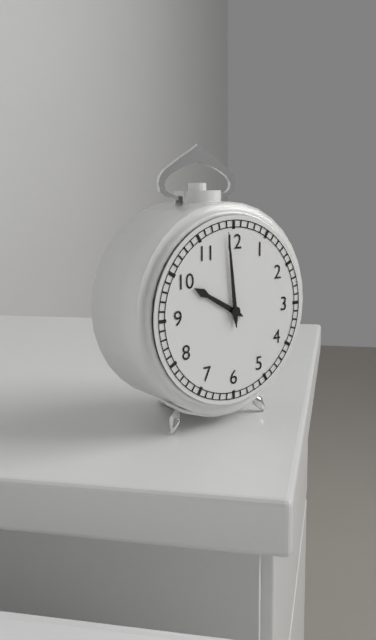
9:59
